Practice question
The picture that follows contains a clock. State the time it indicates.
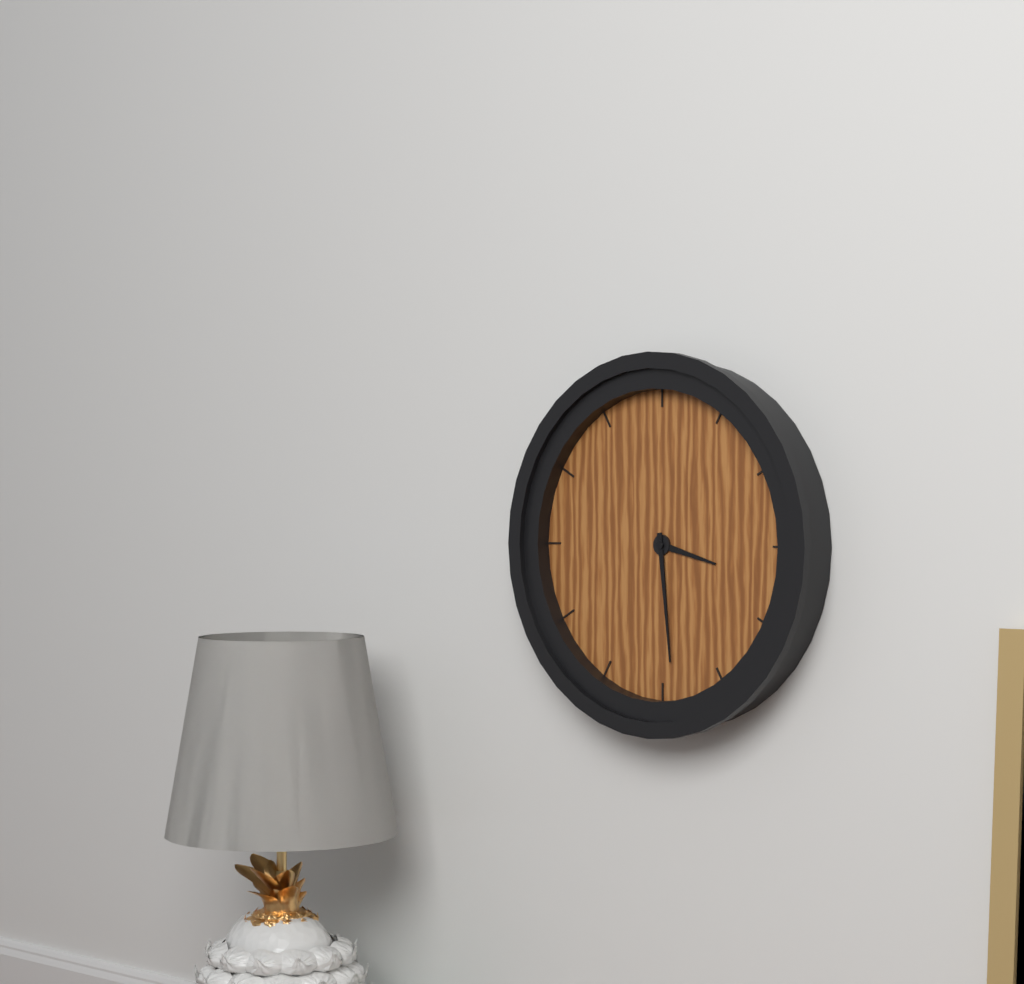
3:29
